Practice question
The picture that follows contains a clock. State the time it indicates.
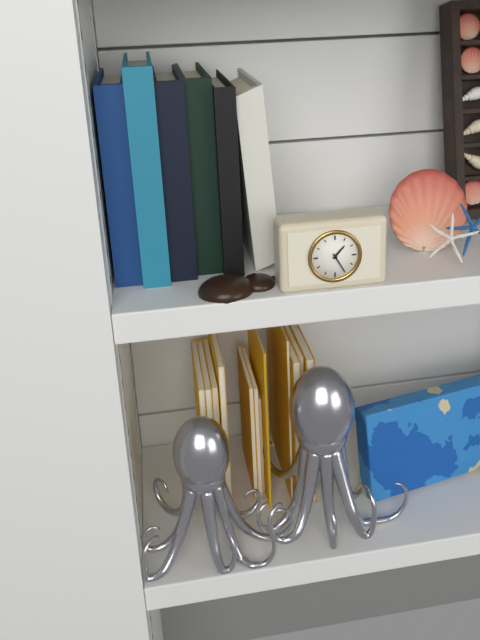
1:25
